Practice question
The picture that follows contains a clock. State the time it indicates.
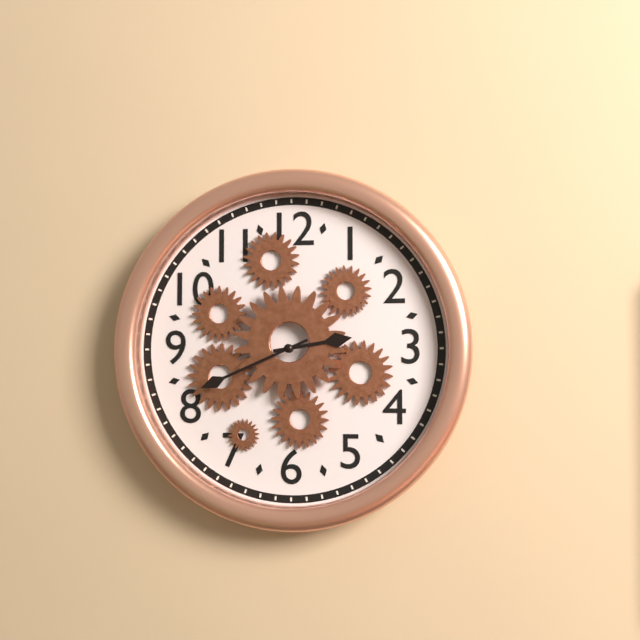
2:41
